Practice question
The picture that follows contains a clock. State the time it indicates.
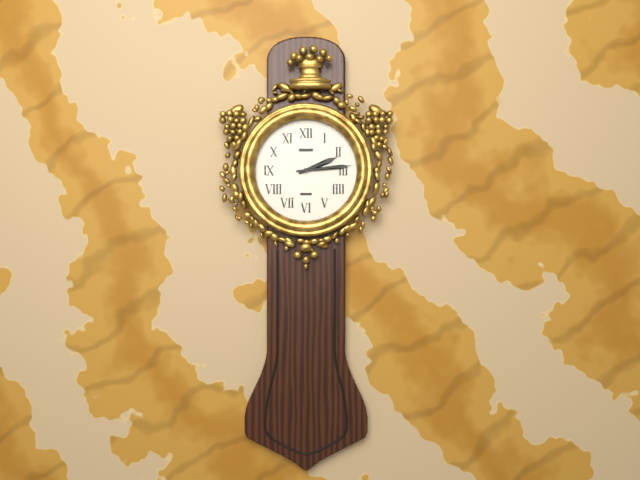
2:14
